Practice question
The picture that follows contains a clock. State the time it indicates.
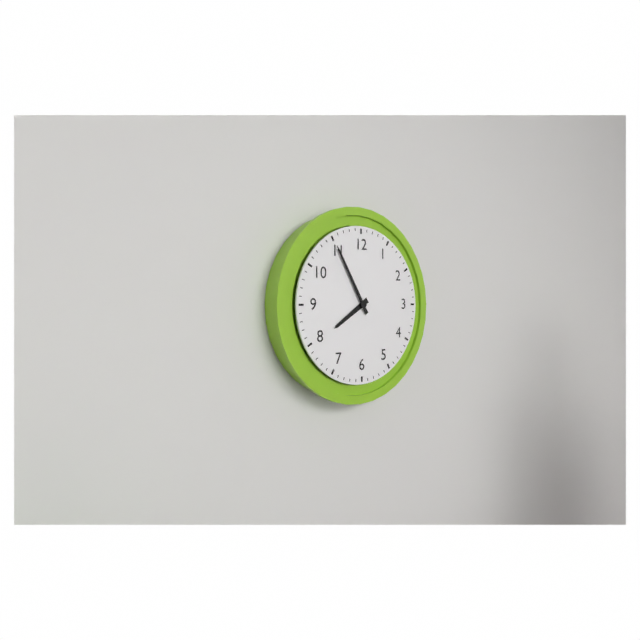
7:55
